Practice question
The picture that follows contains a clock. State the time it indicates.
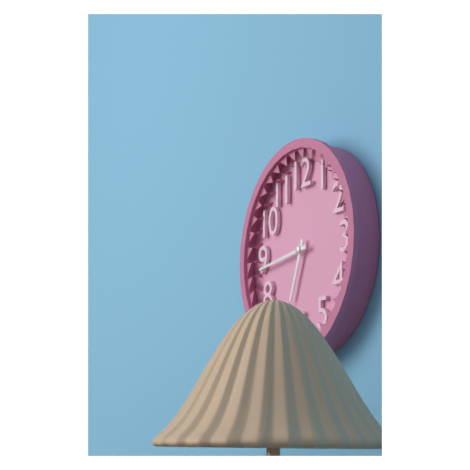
6:44
